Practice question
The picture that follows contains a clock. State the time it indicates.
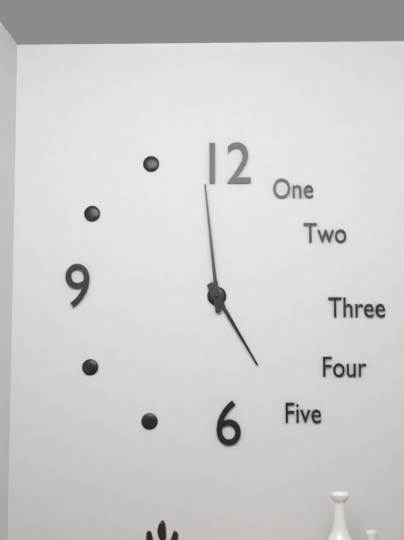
4:59
